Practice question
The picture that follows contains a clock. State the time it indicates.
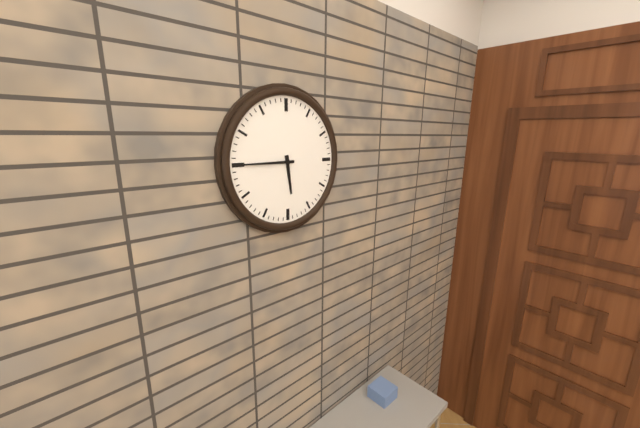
5:45
